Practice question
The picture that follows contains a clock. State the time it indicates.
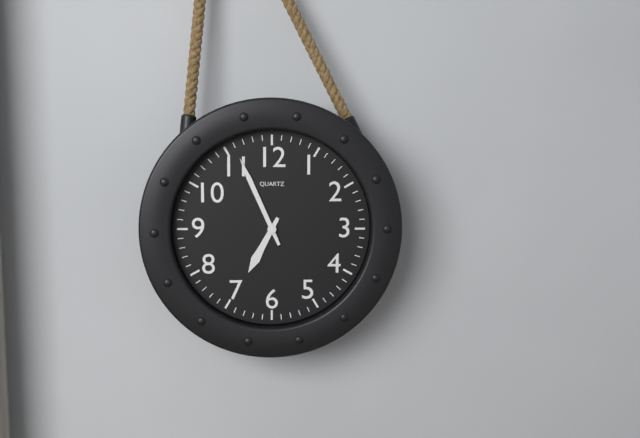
6:56
